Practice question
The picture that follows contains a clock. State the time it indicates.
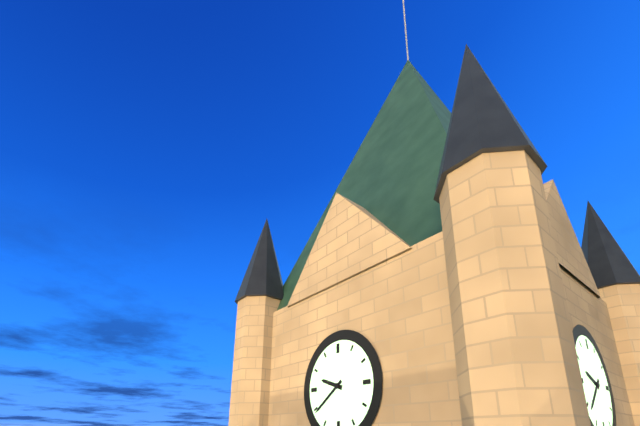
9:39
